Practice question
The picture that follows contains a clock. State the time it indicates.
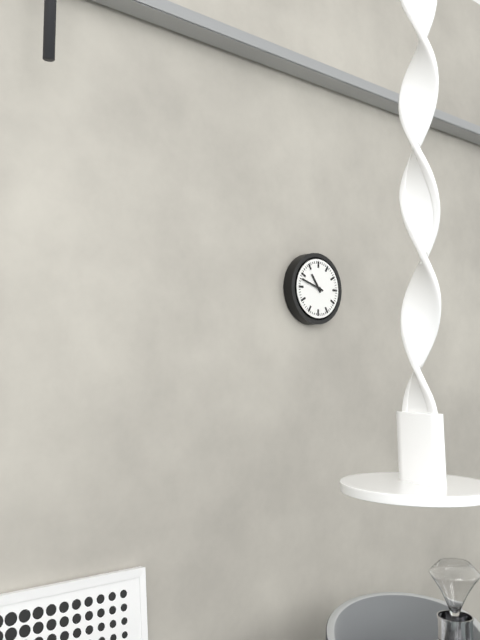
10:48
